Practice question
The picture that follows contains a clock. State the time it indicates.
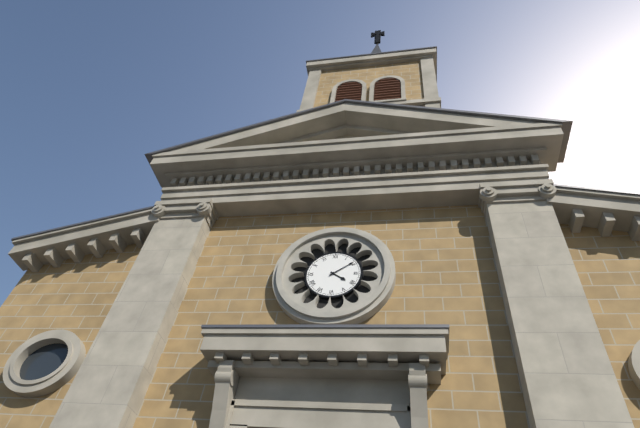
4:09
